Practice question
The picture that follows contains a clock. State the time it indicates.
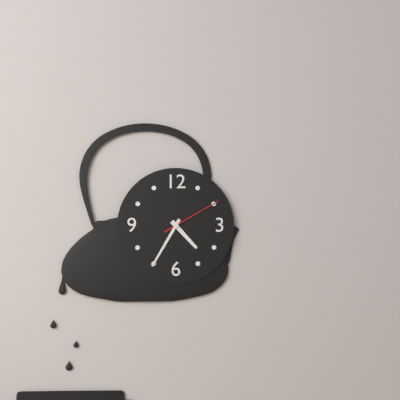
4:35:10
